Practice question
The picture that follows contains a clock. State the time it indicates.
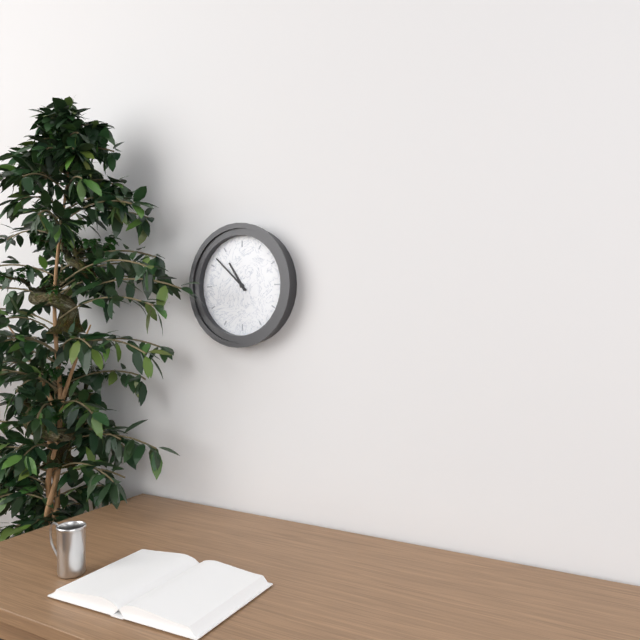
10:52
